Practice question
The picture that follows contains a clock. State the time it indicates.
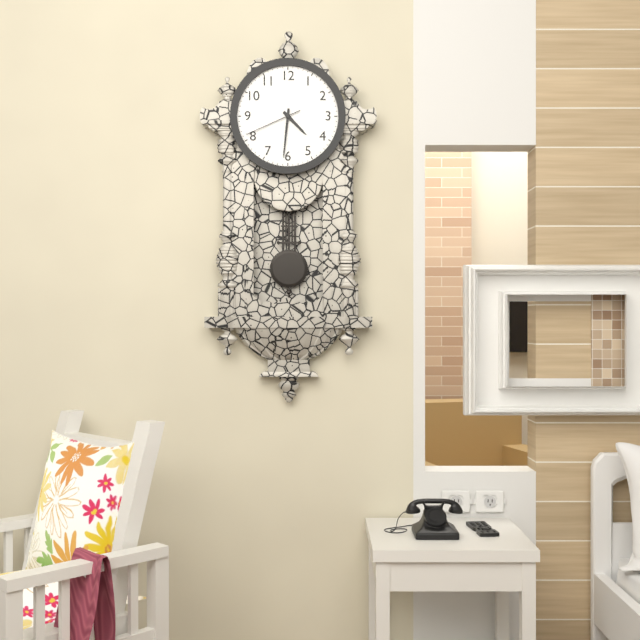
4:31:41
